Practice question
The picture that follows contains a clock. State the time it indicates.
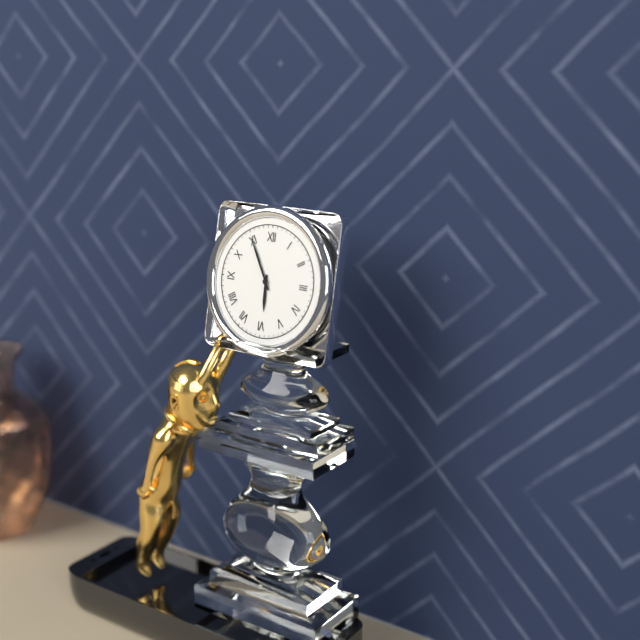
5:55
